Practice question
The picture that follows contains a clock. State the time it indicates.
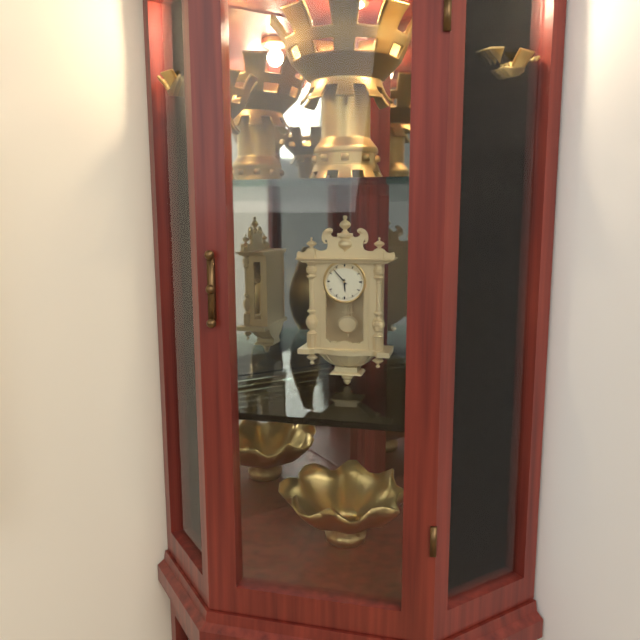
5:53
